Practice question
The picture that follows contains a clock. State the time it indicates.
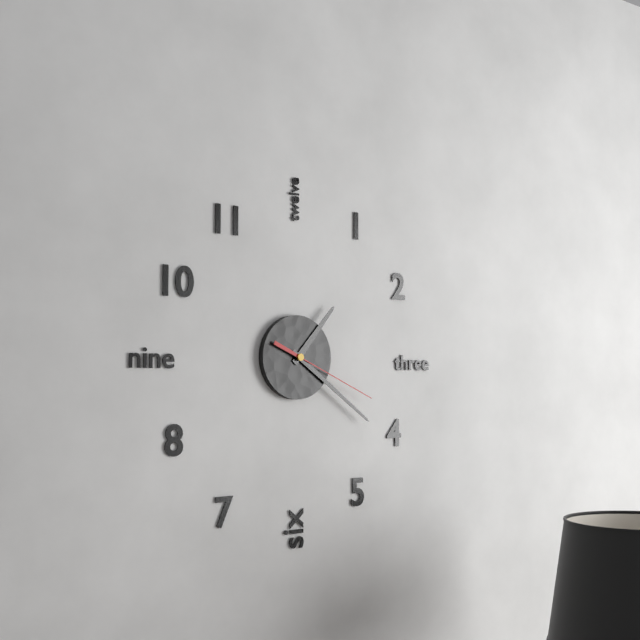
1:21:19
